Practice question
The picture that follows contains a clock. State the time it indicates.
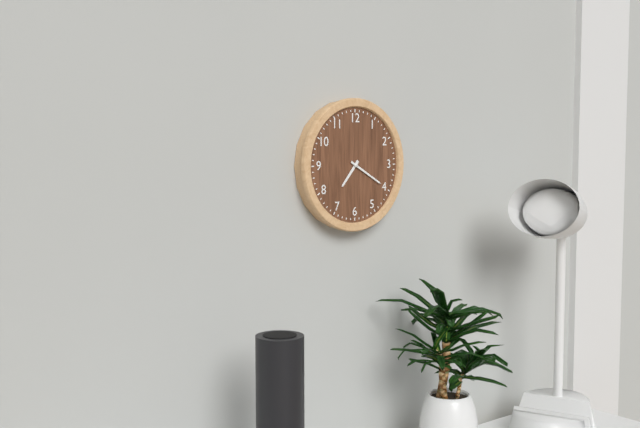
7:20
